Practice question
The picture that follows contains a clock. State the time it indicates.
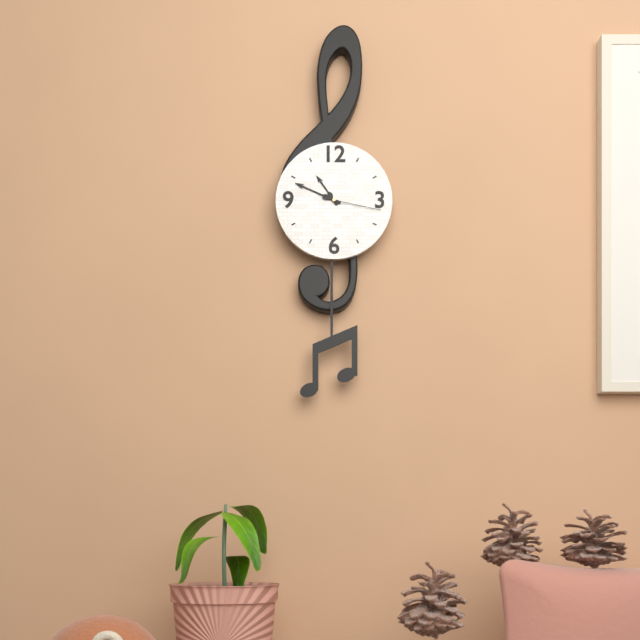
10:49:17
